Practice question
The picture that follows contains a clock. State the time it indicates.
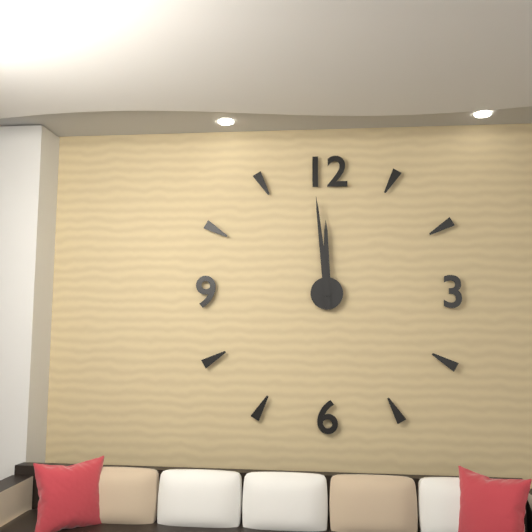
11:59
